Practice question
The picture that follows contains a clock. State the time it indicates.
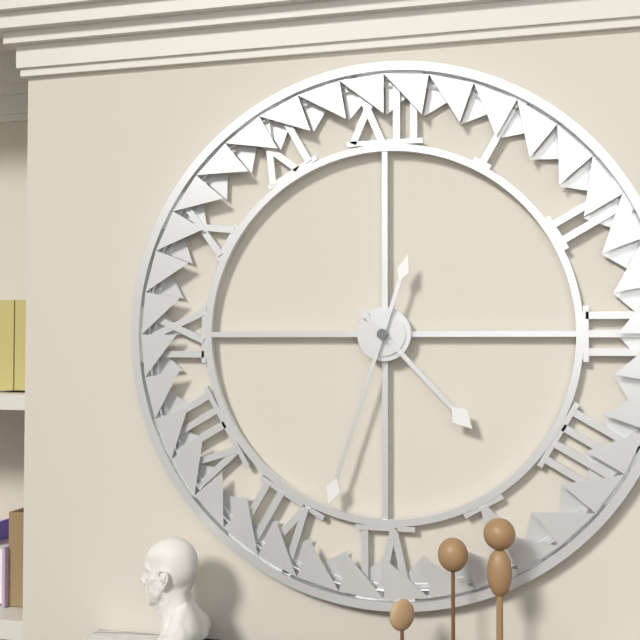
4:33
